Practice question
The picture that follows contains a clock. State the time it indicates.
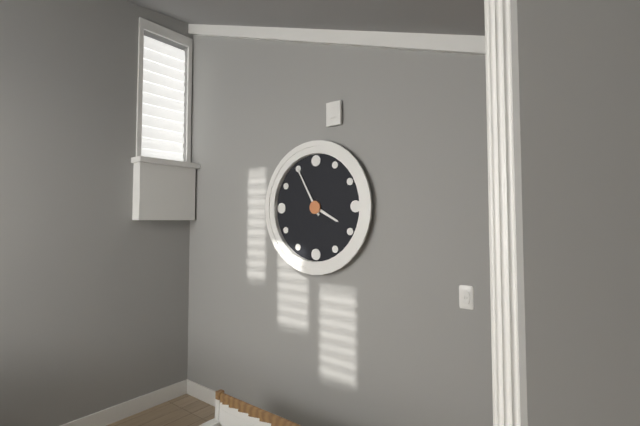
3:55
